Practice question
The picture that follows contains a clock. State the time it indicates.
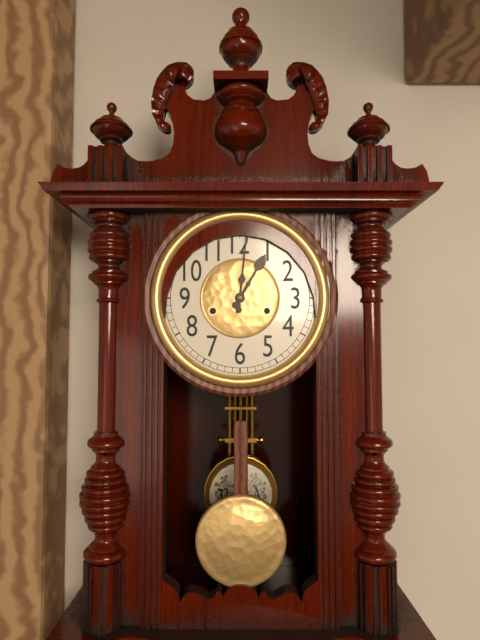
1:01
